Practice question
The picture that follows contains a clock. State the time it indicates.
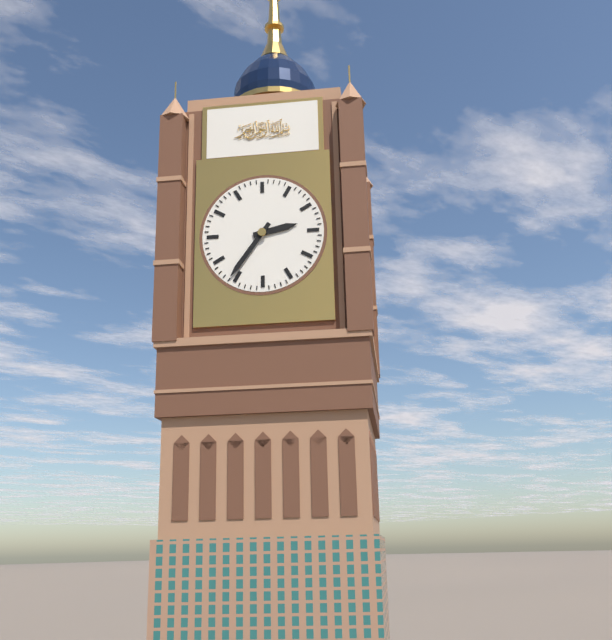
2:36
